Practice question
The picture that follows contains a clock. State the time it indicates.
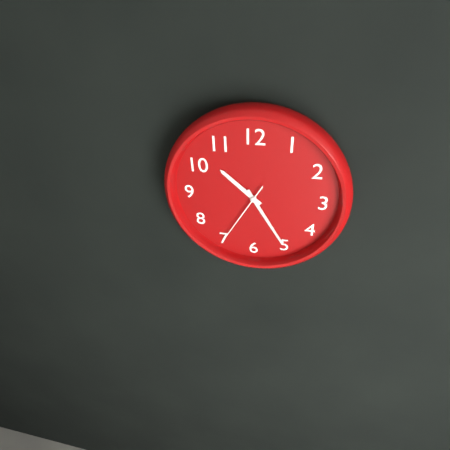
10:25:35
